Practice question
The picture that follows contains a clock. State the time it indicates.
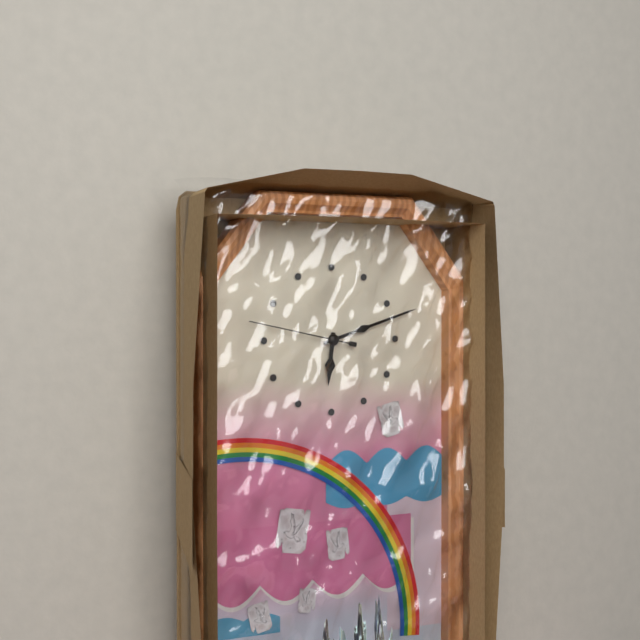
6:12:47
